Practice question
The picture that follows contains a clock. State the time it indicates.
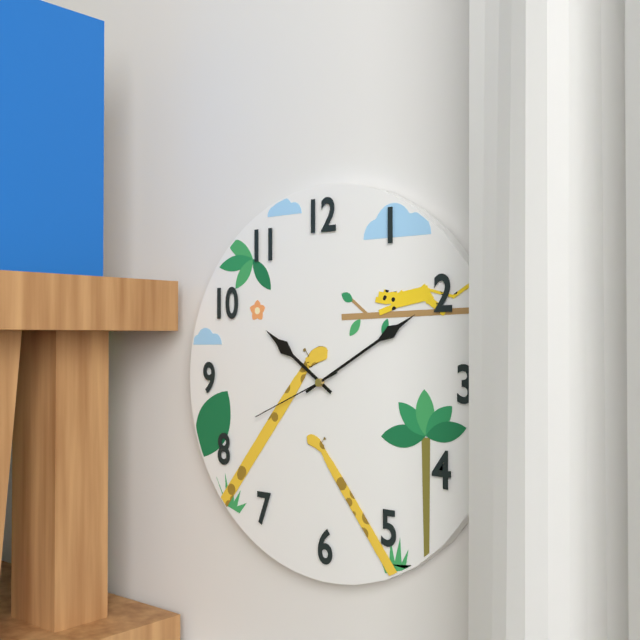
10:10:41
